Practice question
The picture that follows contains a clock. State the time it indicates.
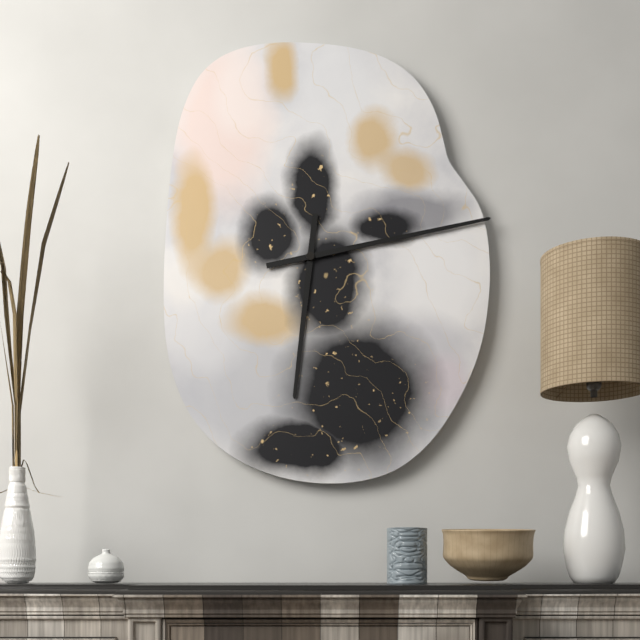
6:13
